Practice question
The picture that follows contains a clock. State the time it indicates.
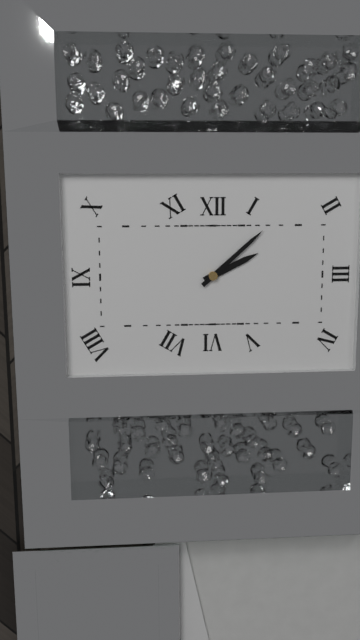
2:08
